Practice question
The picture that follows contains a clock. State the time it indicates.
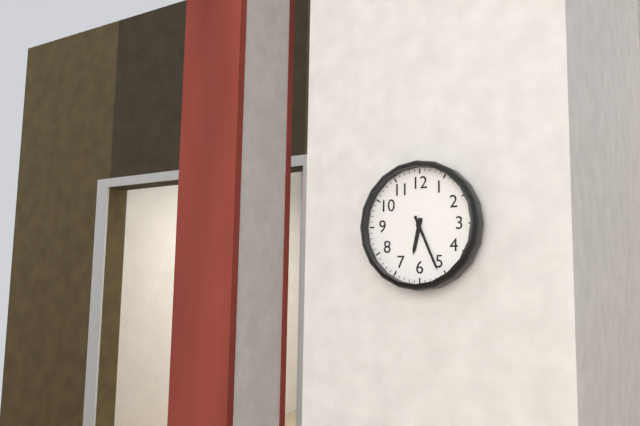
6:26
